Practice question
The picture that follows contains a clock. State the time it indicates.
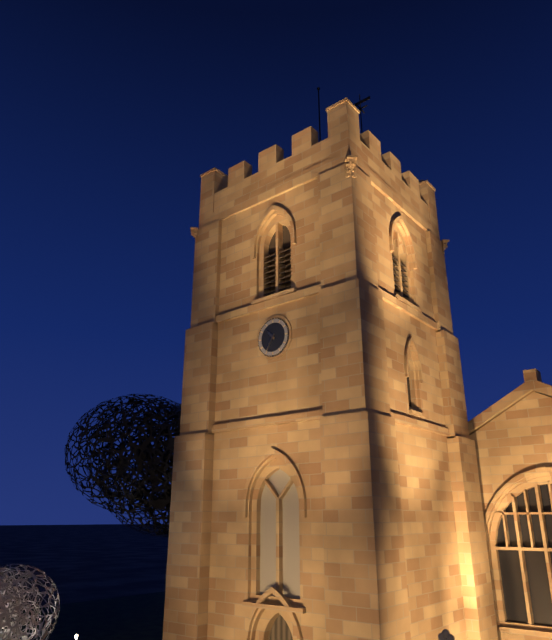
10:35
